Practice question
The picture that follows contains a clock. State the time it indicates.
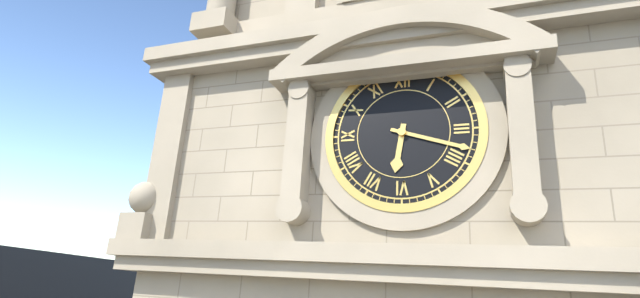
6:18
